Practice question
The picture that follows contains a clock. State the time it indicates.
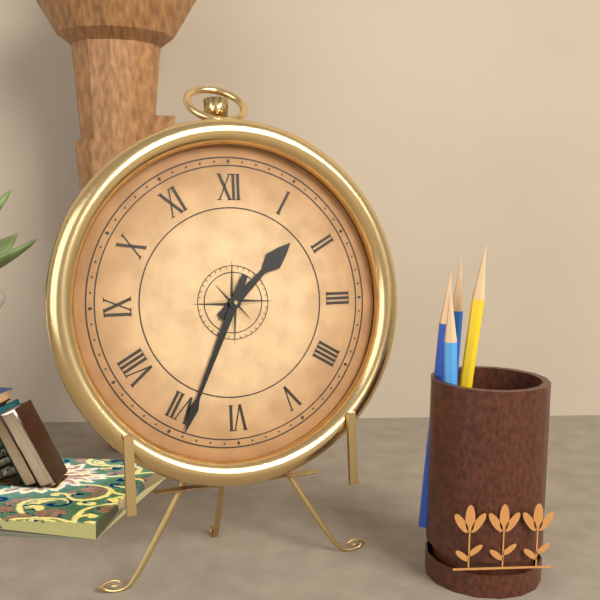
1:34
